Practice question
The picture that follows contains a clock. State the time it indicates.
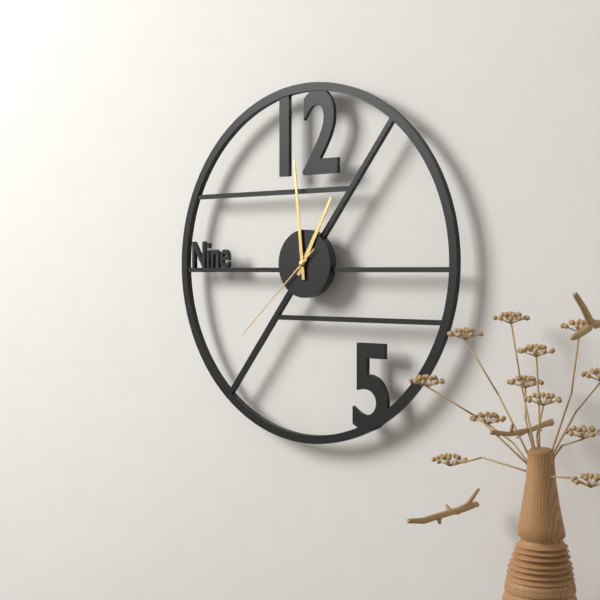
12:59:38
